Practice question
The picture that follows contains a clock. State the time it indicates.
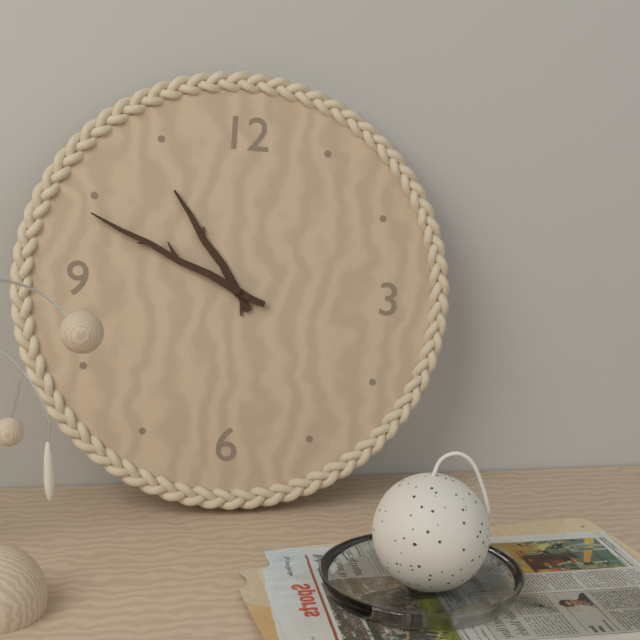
10:49
